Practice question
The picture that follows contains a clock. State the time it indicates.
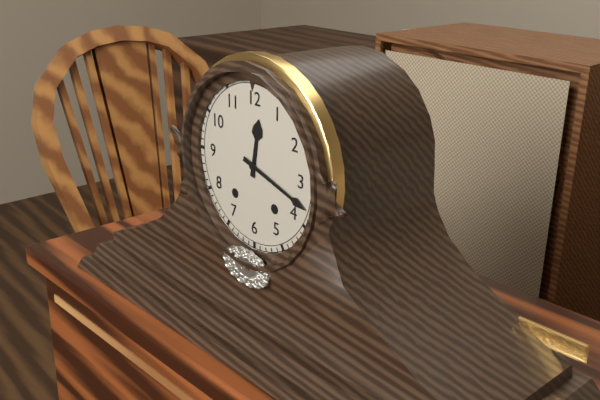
12:18
